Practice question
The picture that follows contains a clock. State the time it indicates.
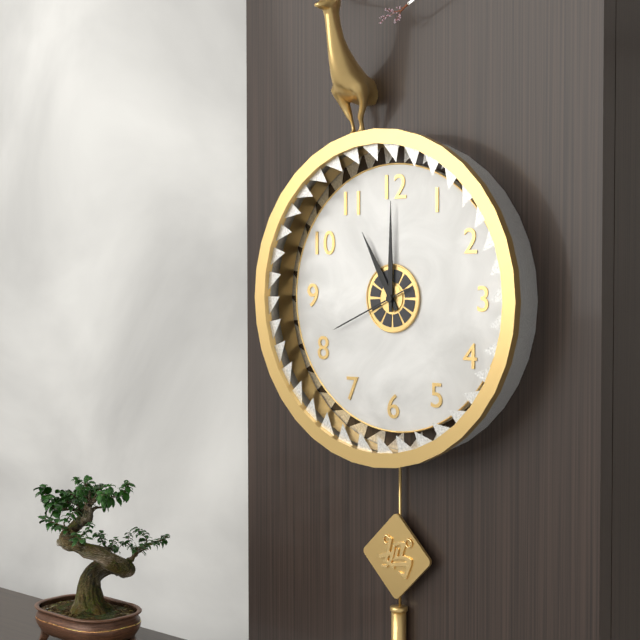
11:00:41
